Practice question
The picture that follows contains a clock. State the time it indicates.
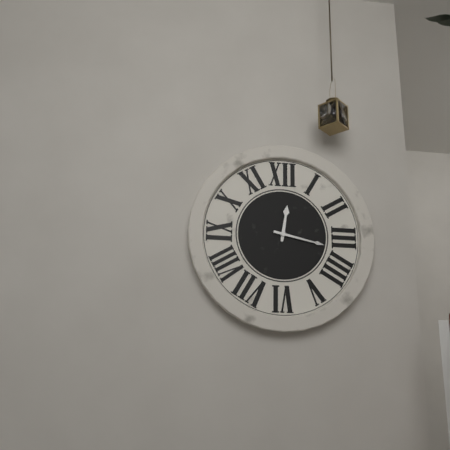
12:17
